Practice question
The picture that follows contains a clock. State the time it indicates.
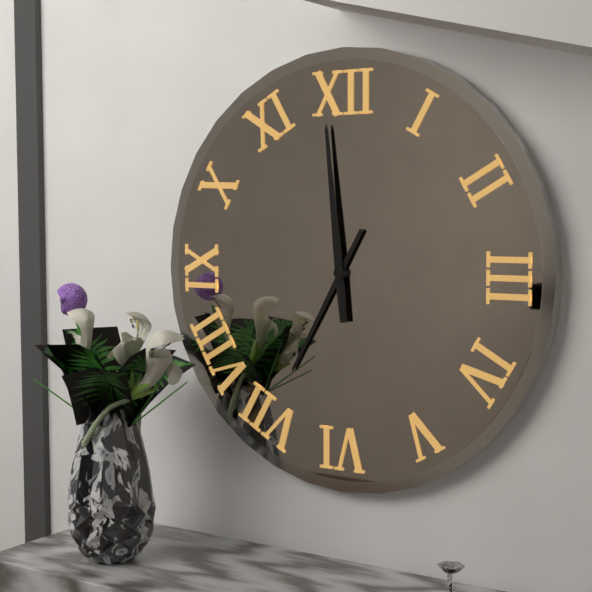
6:59
